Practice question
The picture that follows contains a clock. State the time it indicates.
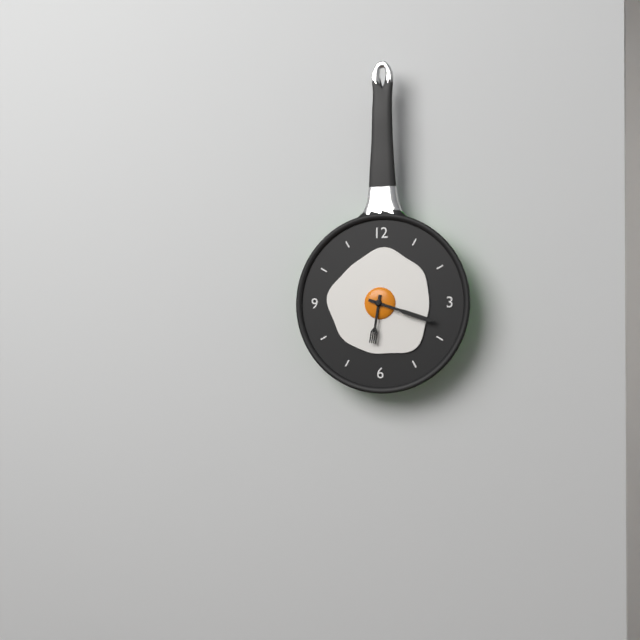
6:18
